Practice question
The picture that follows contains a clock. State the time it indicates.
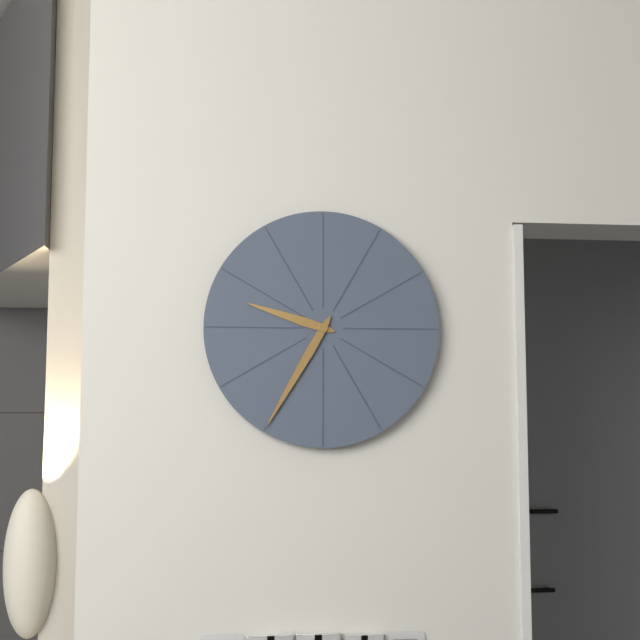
9:35
